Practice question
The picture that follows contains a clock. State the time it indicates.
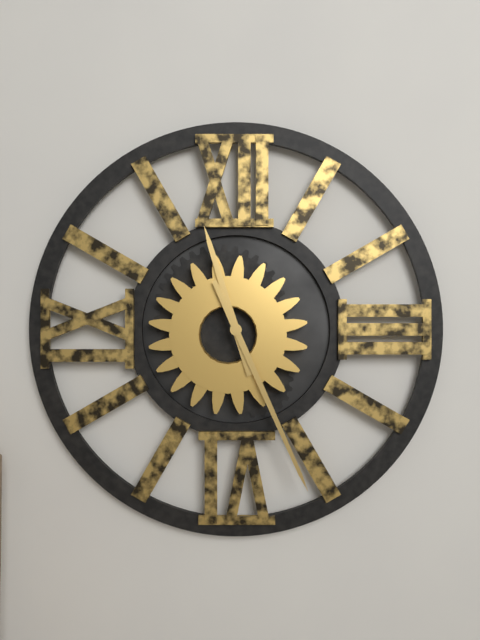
11:26
